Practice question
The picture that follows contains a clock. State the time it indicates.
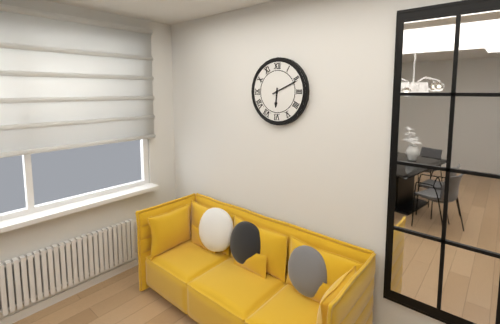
6:11
